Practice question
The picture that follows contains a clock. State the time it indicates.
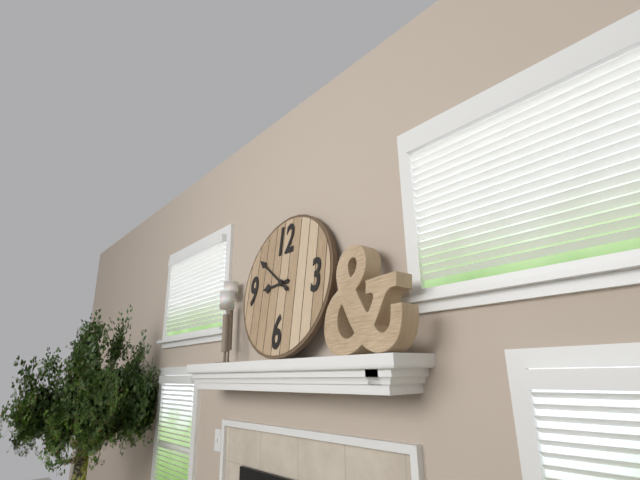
8:51
